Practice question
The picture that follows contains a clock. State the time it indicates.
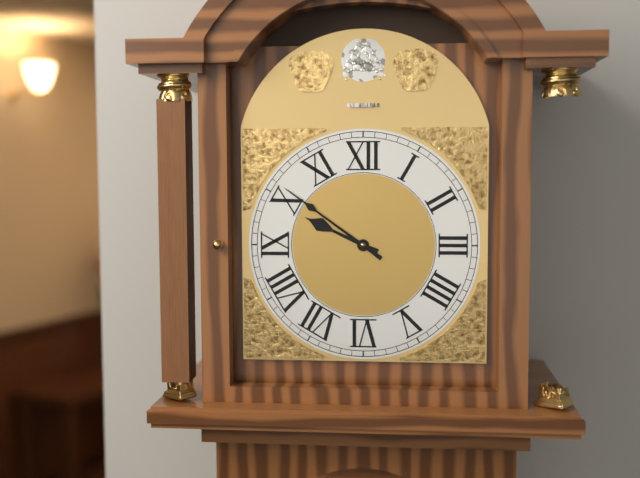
9:51
